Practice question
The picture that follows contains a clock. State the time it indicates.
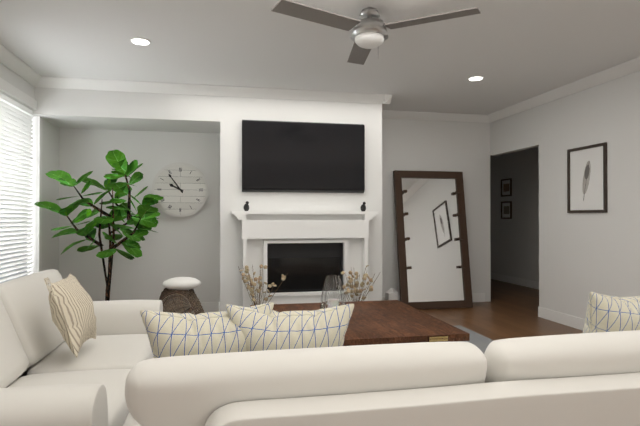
9:54
